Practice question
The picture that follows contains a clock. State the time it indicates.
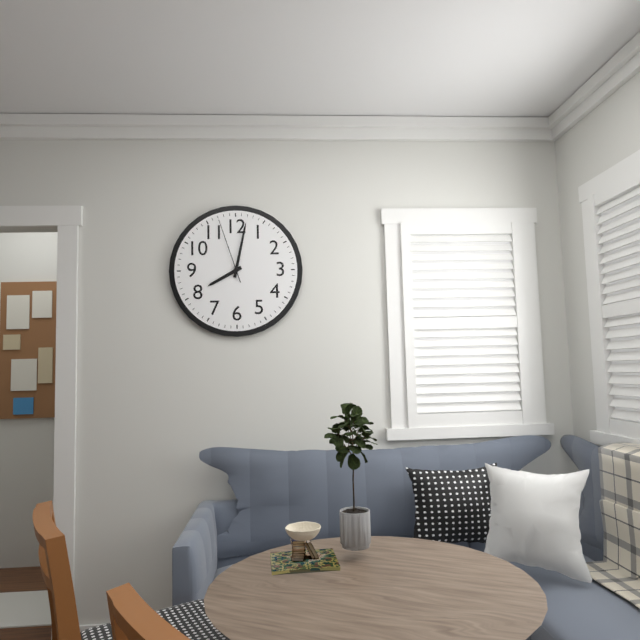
8:02:57
